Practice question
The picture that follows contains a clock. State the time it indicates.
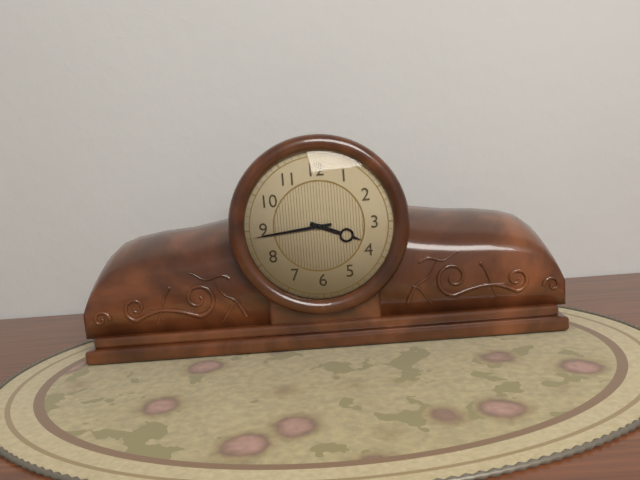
3:44
